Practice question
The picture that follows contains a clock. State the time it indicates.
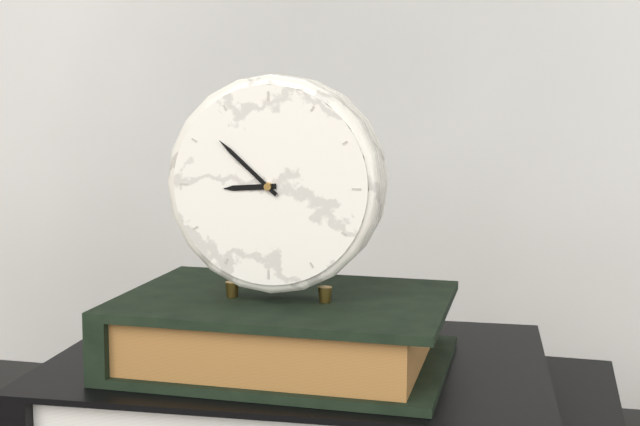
8:52
